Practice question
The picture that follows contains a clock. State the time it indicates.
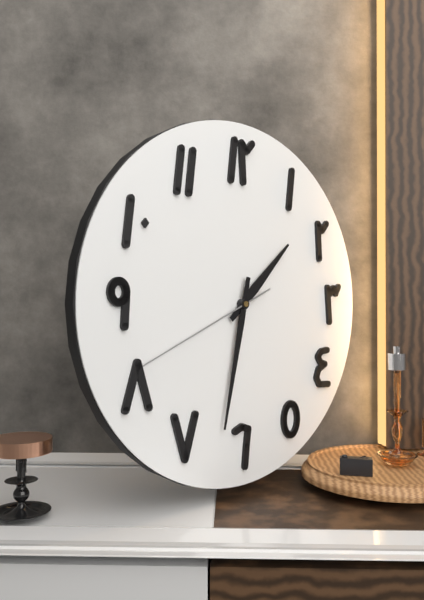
1:32:41
